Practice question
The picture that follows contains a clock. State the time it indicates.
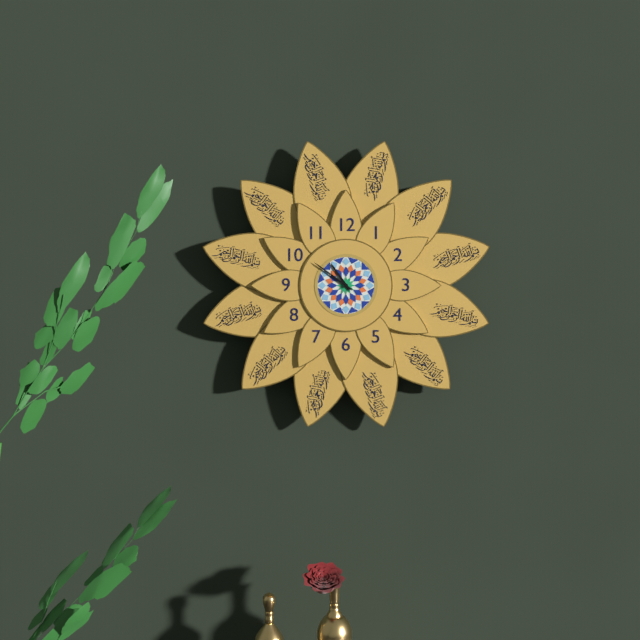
10:51
